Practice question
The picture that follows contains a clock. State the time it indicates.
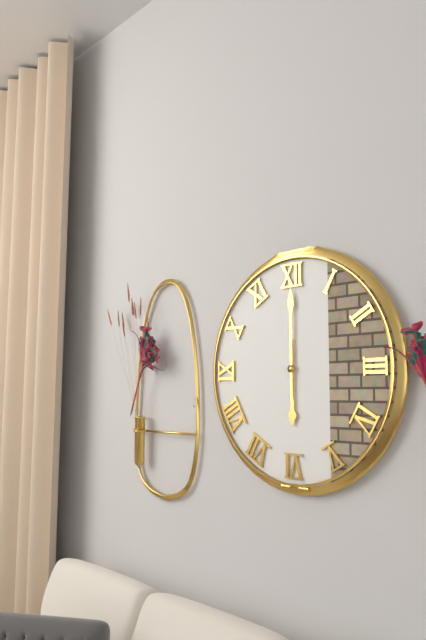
6:00
